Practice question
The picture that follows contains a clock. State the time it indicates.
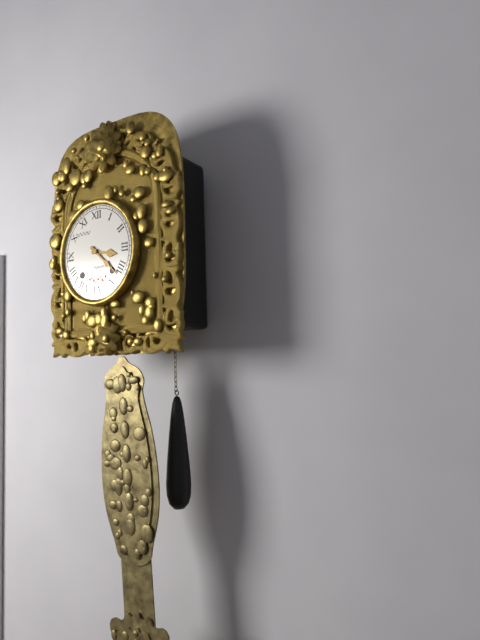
3:22
